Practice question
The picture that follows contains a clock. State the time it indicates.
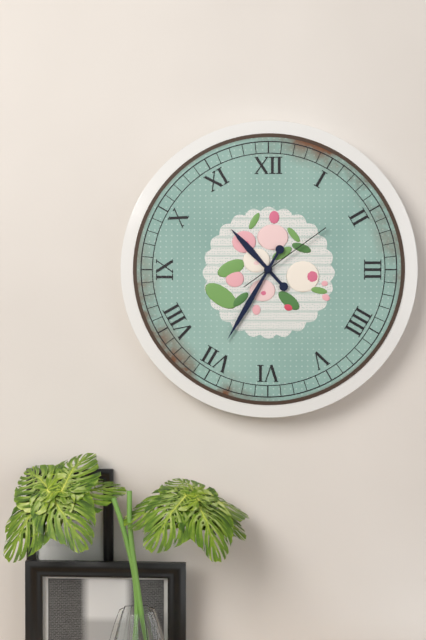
10:35:09
